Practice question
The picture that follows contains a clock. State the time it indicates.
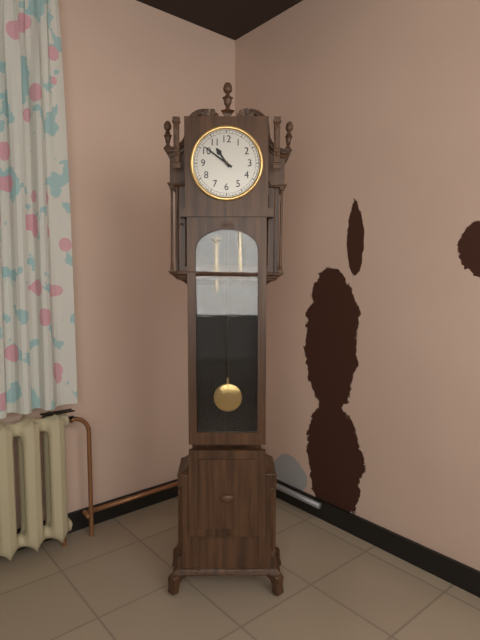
10:51
